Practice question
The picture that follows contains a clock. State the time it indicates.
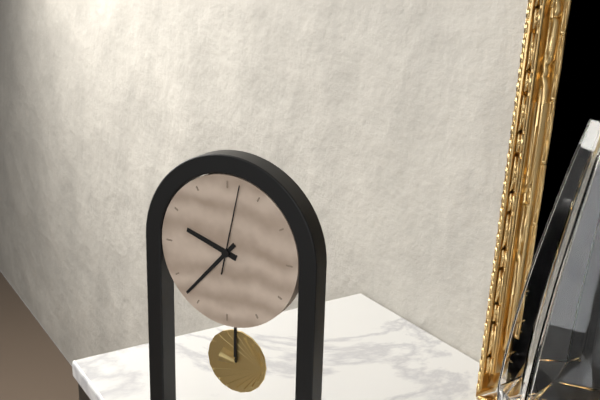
9:37:02
